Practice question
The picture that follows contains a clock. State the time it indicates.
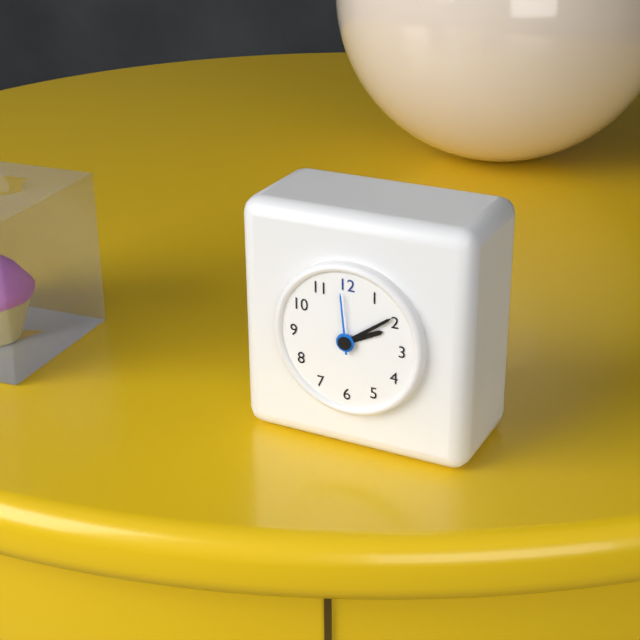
2:09:59
